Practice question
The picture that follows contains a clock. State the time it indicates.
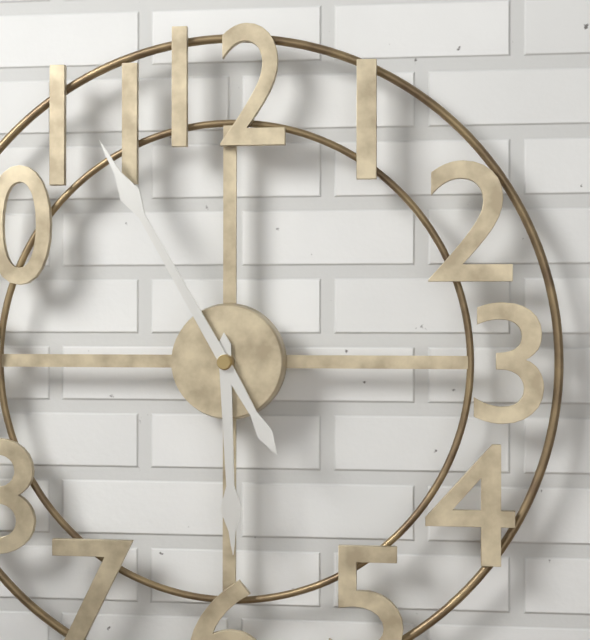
5:55
